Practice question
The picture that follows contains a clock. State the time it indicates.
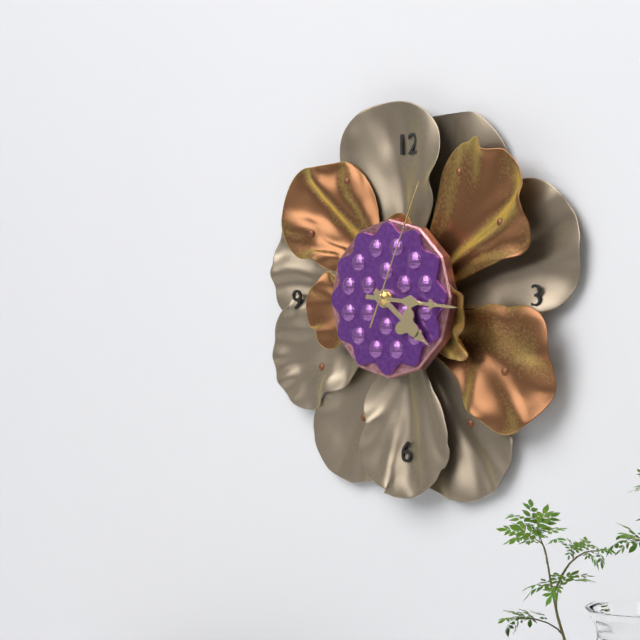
4:16:04
